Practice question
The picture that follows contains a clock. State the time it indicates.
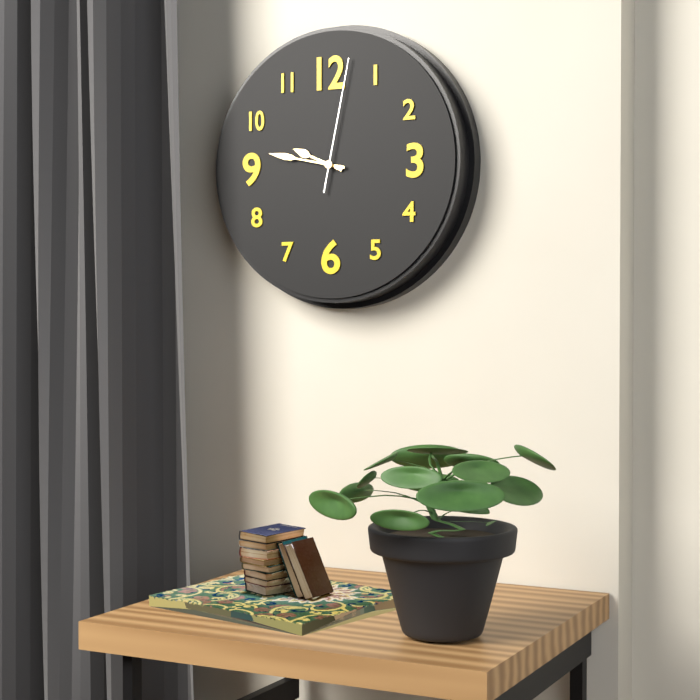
9:47:02
